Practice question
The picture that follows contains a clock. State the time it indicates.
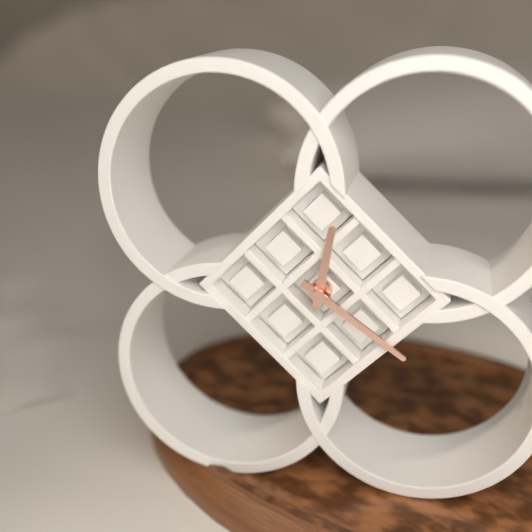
12:21
